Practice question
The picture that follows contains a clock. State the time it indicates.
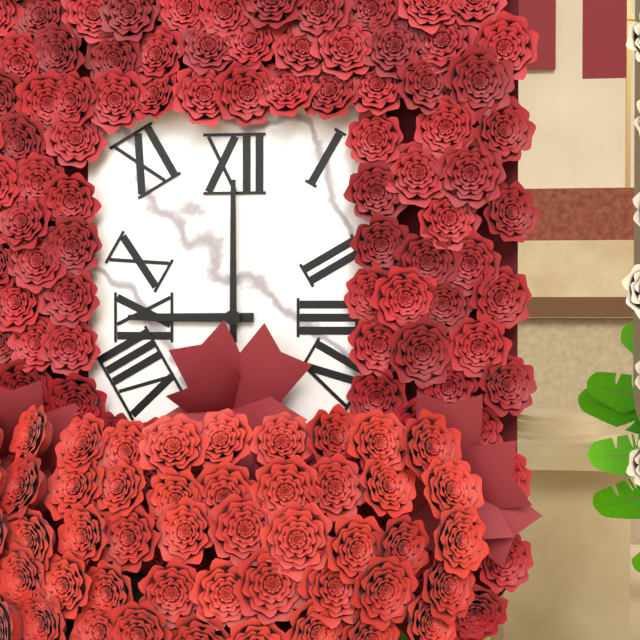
9:00
